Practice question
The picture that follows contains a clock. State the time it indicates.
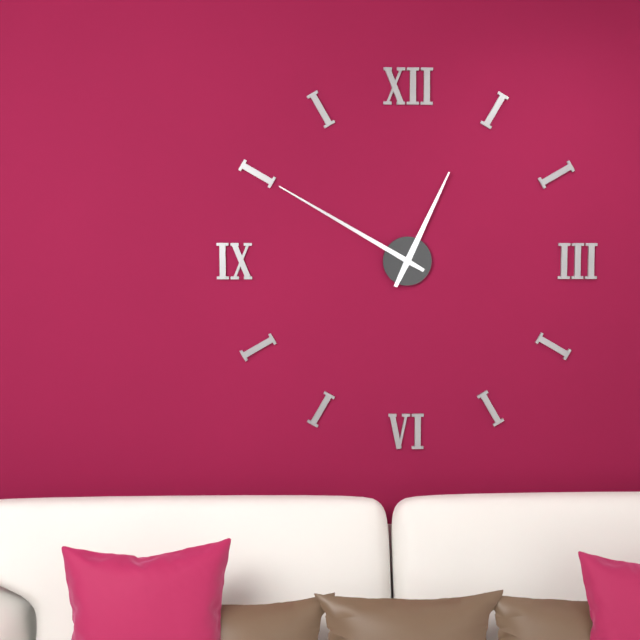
12:50
